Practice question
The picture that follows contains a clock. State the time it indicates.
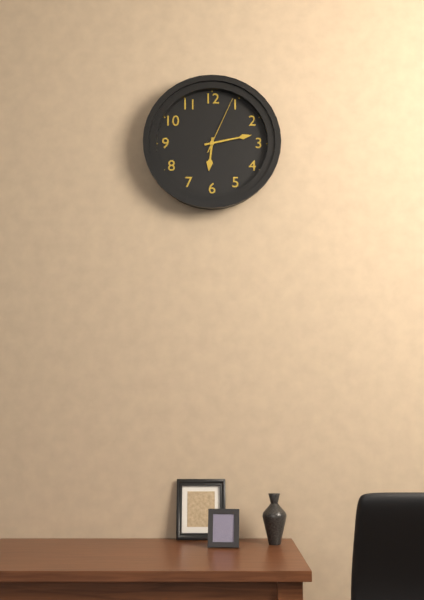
6:13:04
